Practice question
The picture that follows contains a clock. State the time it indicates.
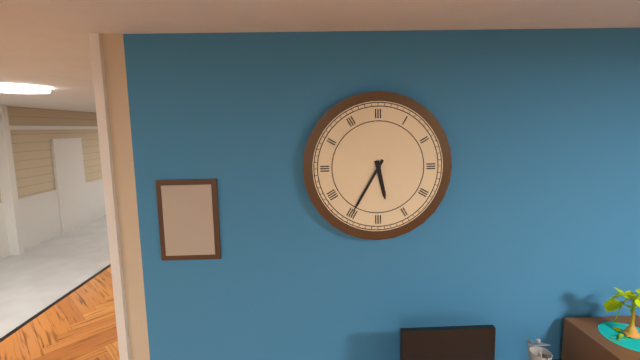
5:35
